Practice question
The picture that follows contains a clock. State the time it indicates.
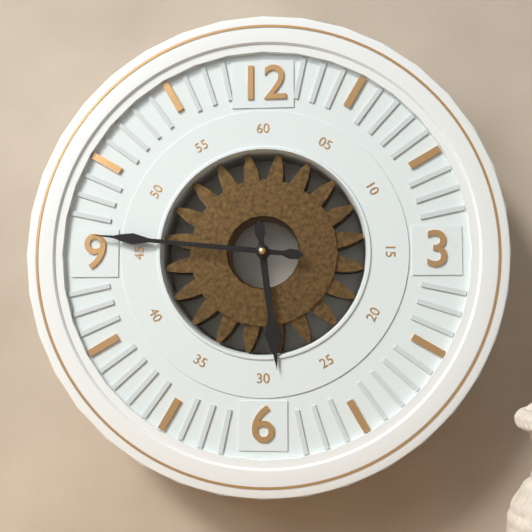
5:46
